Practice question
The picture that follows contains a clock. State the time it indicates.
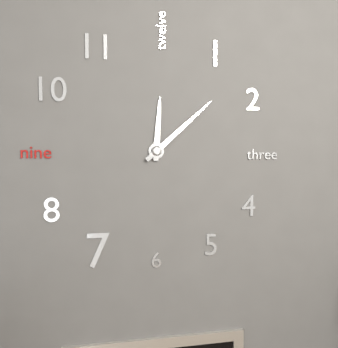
12:08
